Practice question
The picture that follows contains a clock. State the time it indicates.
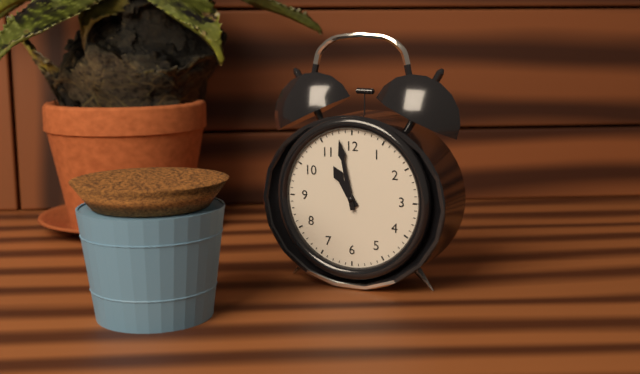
10:58
